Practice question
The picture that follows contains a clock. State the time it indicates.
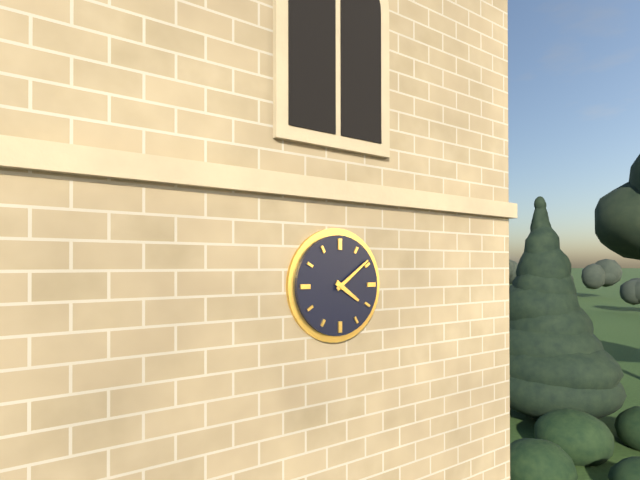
4:09
